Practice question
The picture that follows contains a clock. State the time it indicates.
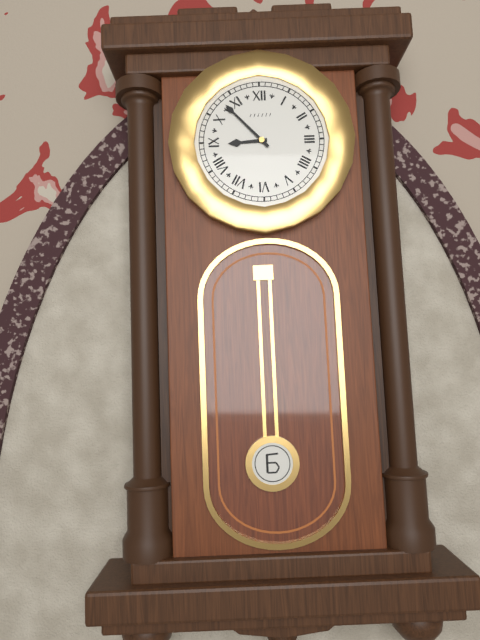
8:53
